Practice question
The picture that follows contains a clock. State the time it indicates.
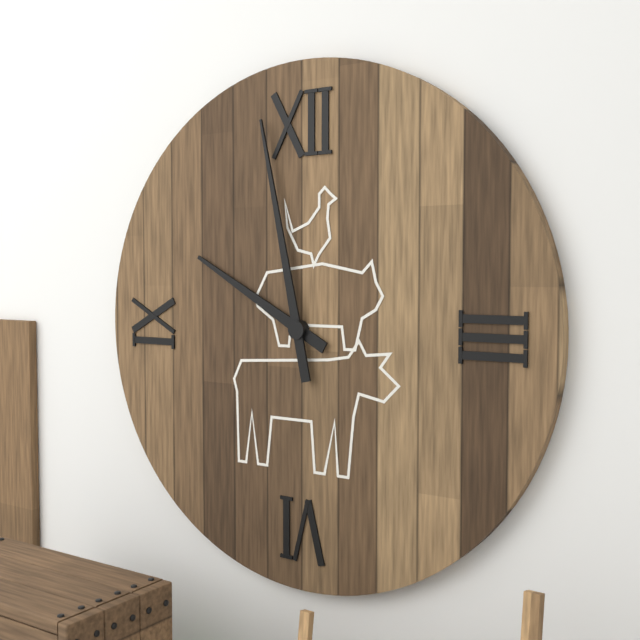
9:58
